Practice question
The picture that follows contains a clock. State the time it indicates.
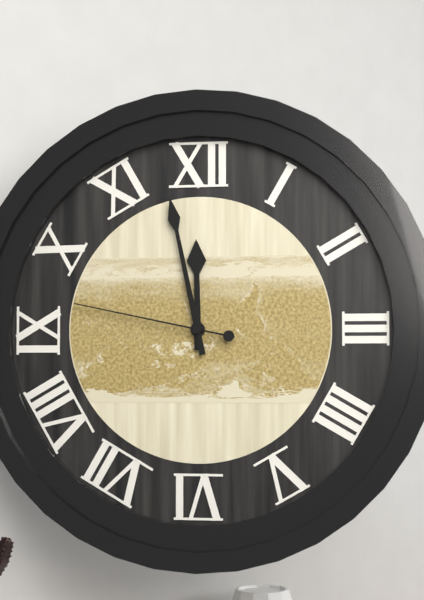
11:58:47
